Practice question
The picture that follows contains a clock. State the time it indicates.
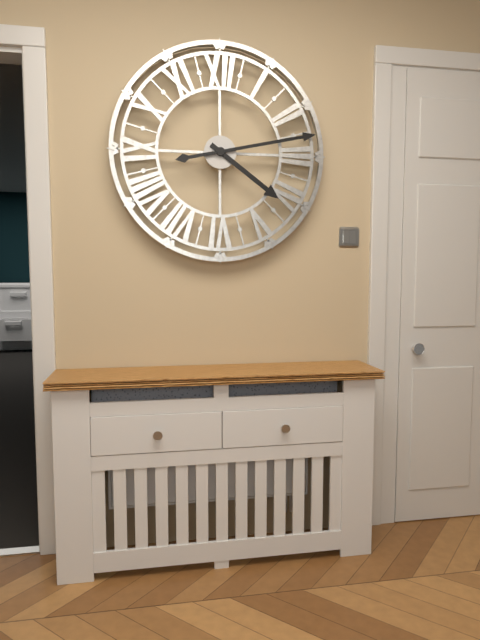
4:13
